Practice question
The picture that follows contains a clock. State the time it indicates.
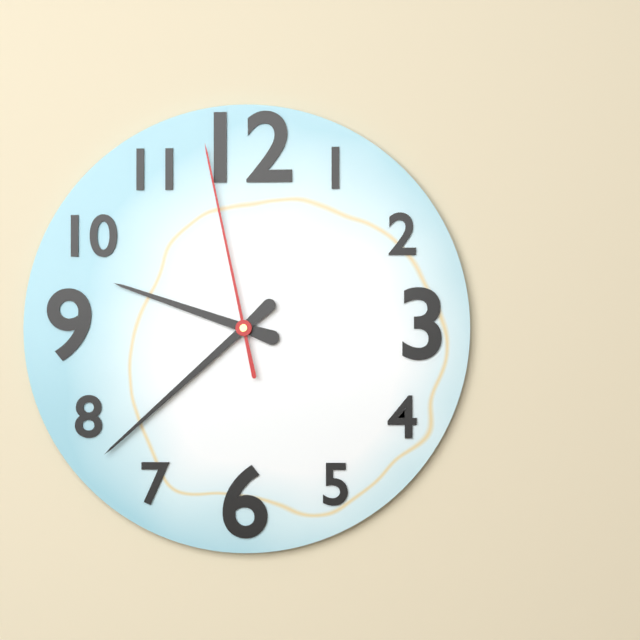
9:38:58
